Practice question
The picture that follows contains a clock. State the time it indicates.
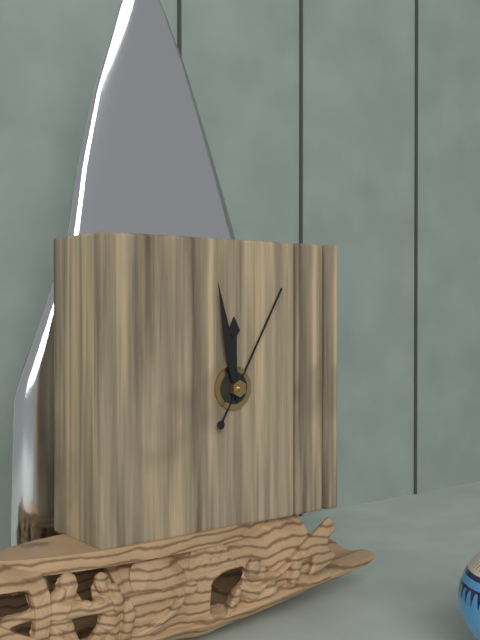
11:58:05
